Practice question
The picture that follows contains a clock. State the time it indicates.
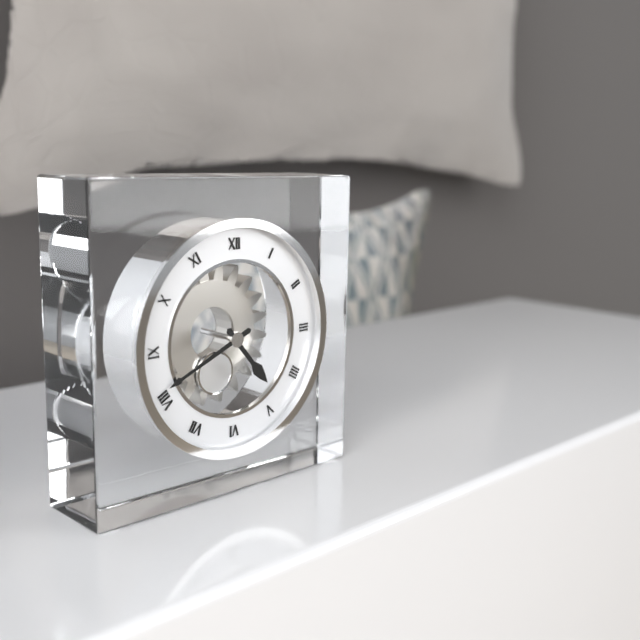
4:41
